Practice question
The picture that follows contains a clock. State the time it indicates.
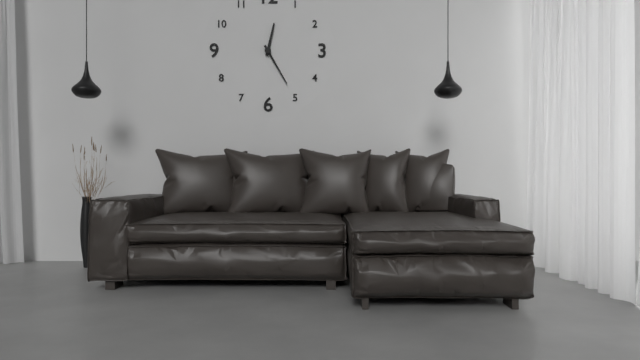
12:25
